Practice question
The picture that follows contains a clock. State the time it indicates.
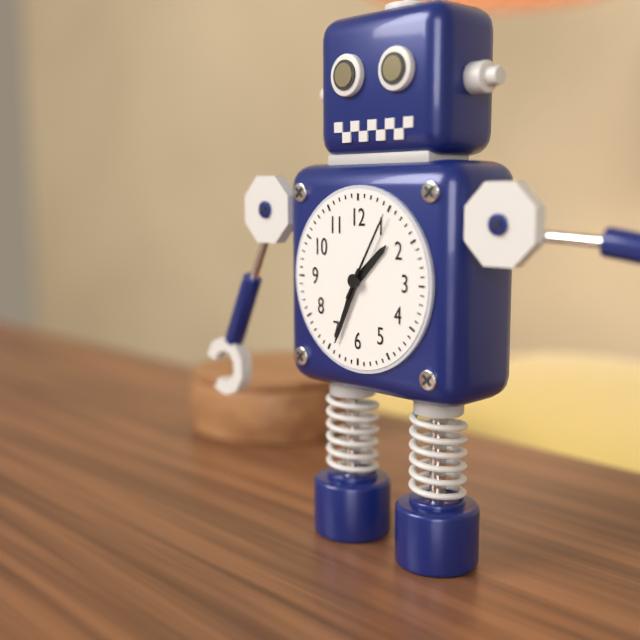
1:34:05
